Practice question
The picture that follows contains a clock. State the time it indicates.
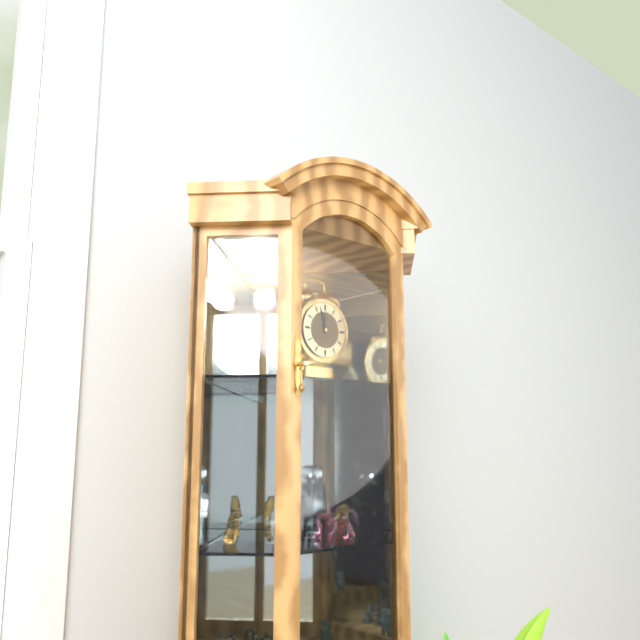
11:57
